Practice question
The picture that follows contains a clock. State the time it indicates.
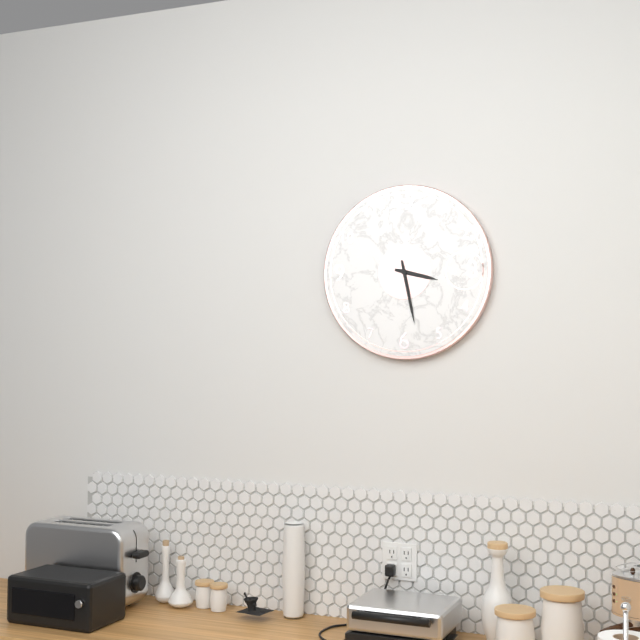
3:28
